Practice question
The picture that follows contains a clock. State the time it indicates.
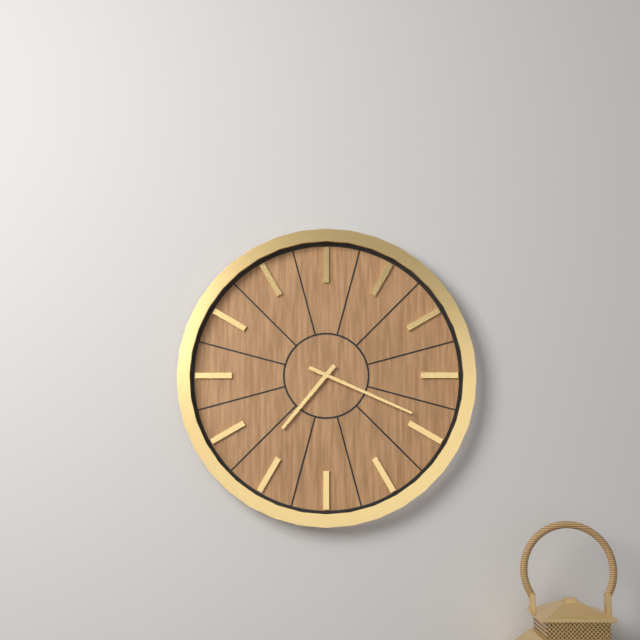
7:19
